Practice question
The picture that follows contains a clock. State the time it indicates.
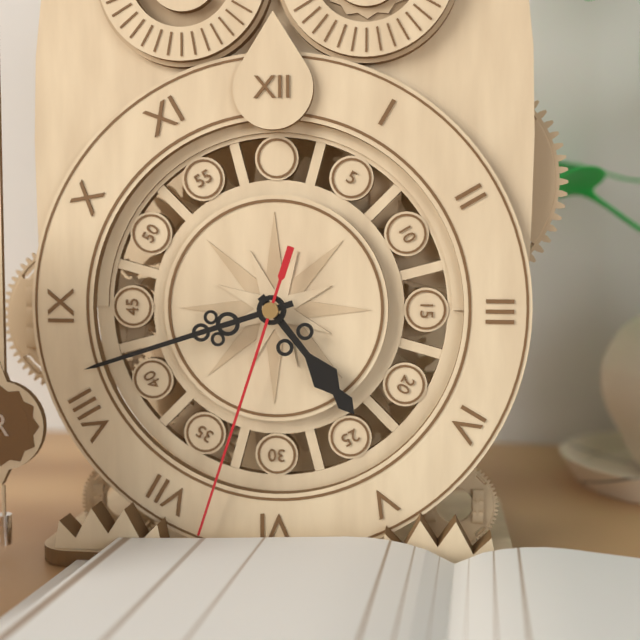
4:42:33
